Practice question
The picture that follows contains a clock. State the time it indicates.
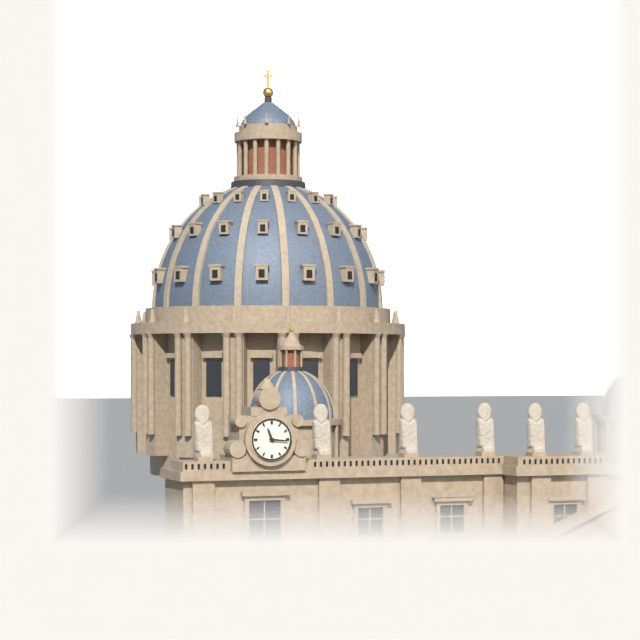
11:16
